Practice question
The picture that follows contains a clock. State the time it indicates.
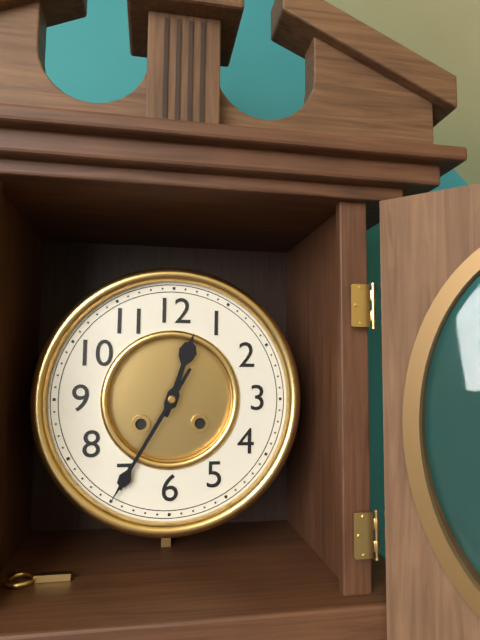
12:35
